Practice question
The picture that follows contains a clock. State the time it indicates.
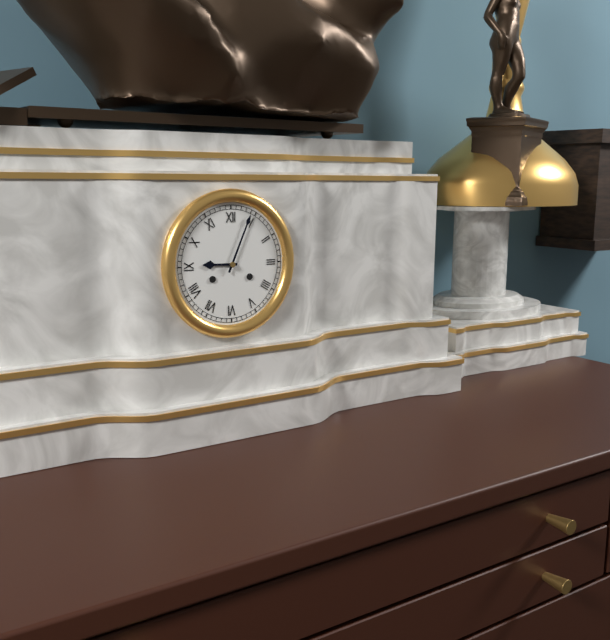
9:04
